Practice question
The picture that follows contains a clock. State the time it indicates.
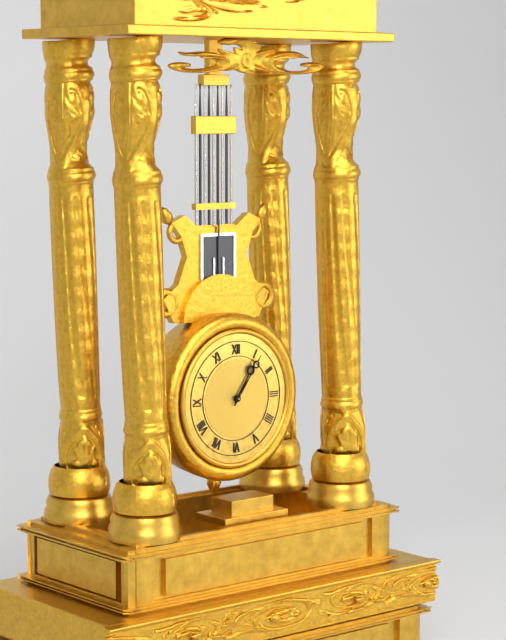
1:06
